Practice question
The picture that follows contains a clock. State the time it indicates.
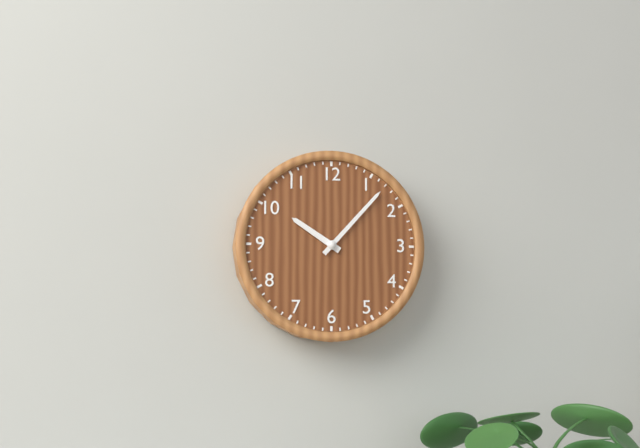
10:07
